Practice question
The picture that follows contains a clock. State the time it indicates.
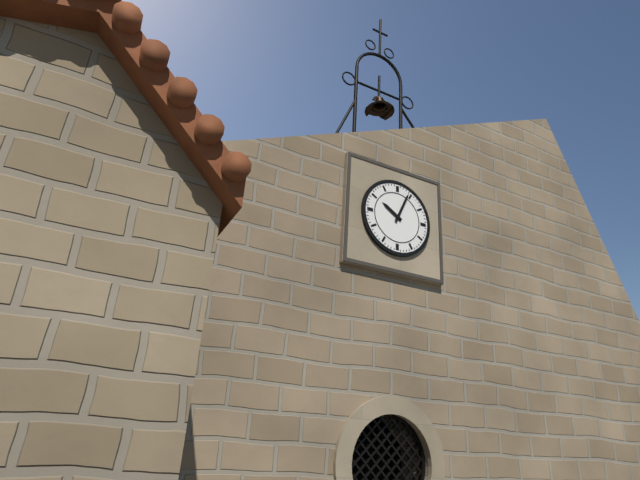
10:04
